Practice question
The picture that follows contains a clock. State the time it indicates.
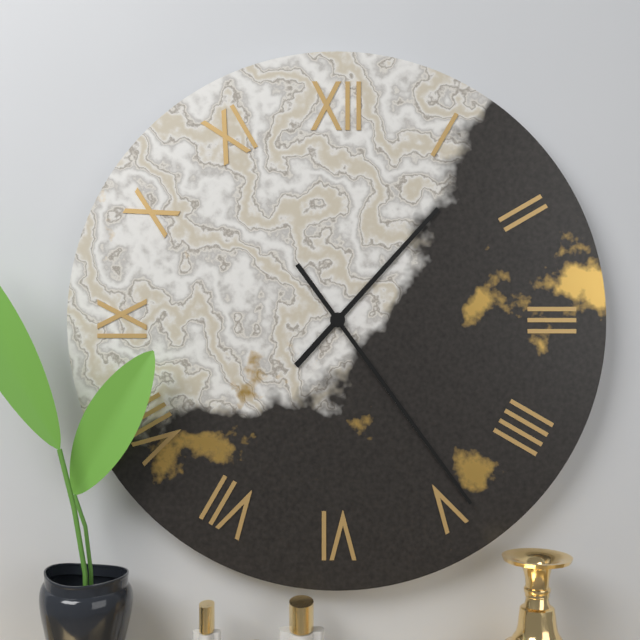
1:24
